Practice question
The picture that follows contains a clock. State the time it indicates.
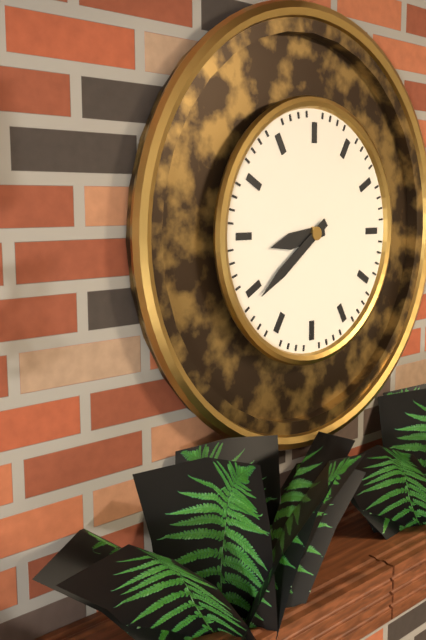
8:39
